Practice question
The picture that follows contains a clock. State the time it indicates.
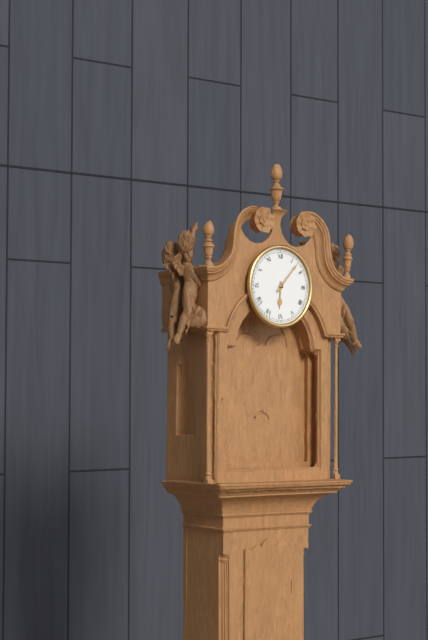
6:07
